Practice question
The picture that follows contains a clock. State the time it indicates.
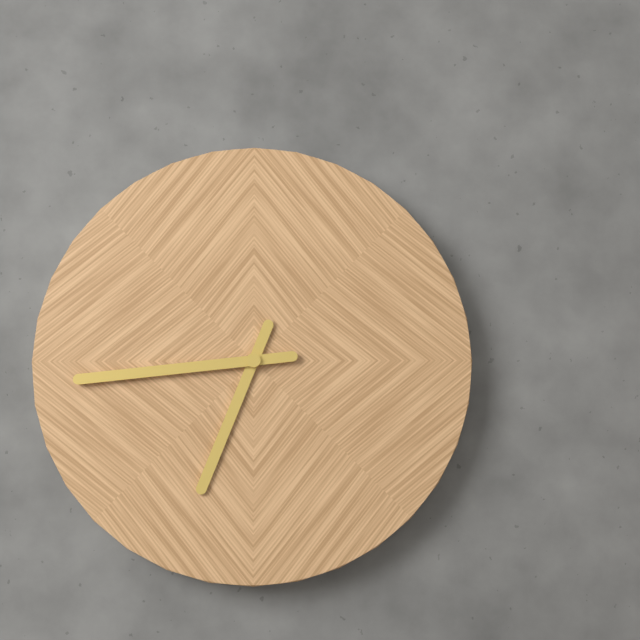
6:44
